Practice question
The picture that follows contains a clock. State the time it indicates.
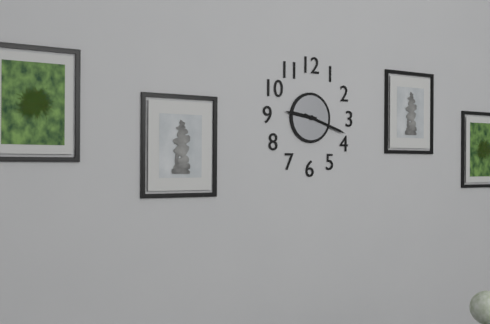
9:18
